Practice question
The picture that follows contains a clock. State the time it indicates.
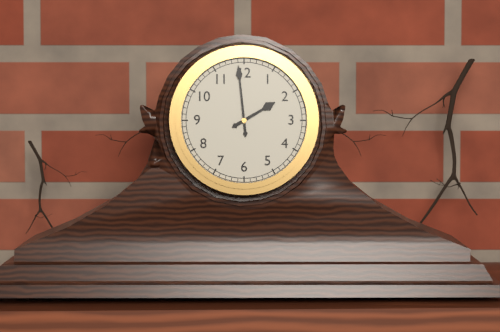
1:59
